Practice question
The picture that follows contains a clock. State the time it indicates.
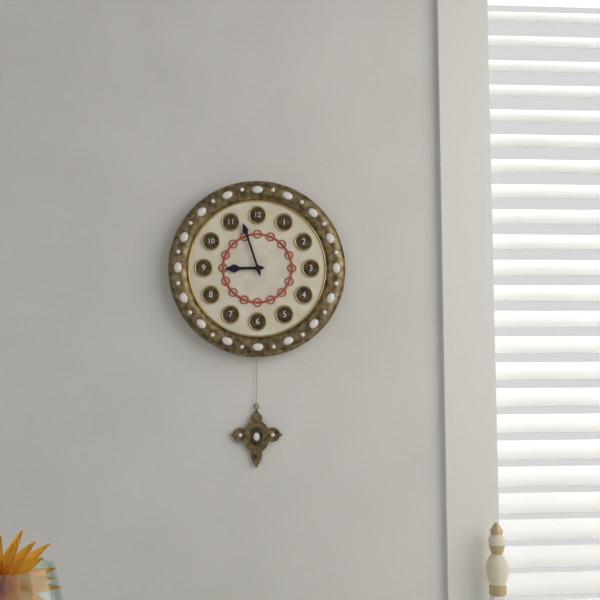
8:57
